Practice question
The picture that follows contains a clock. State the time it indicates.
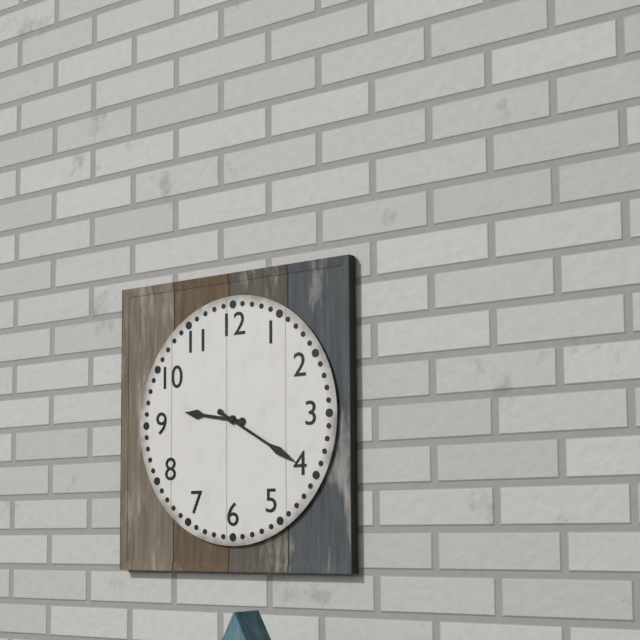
9:20
